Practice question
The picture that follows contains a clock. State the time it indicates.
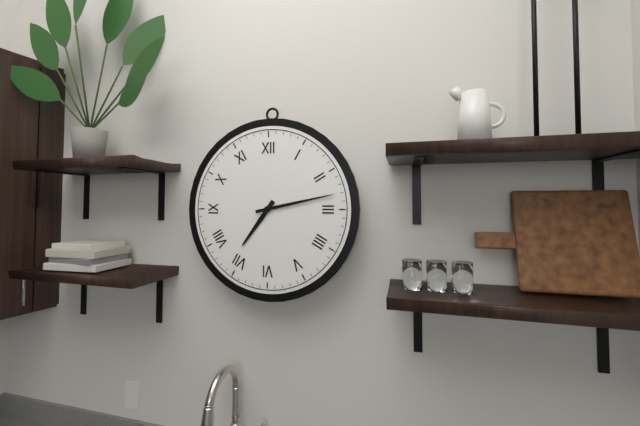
7:13
